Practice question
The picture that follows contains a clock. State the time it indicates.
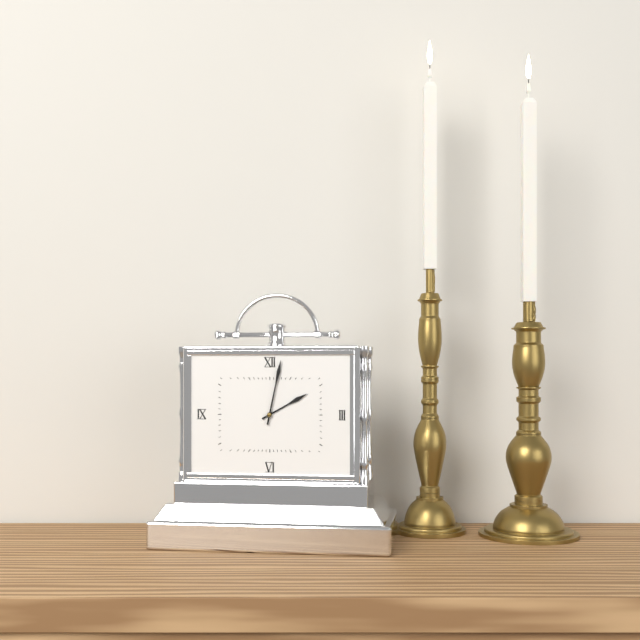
2:02
